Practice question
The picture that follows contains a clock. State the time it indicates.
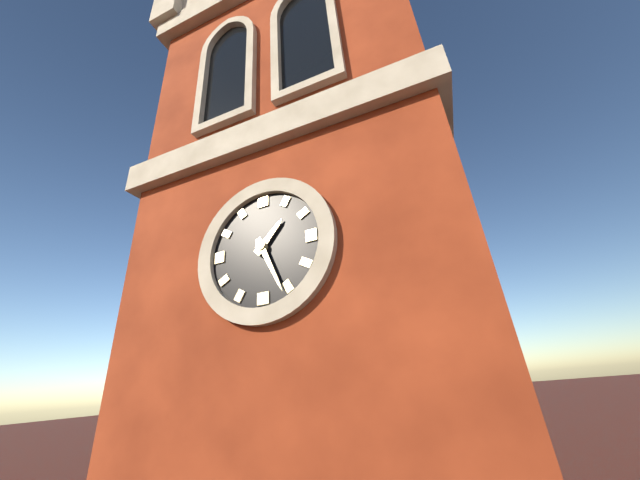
1:26
